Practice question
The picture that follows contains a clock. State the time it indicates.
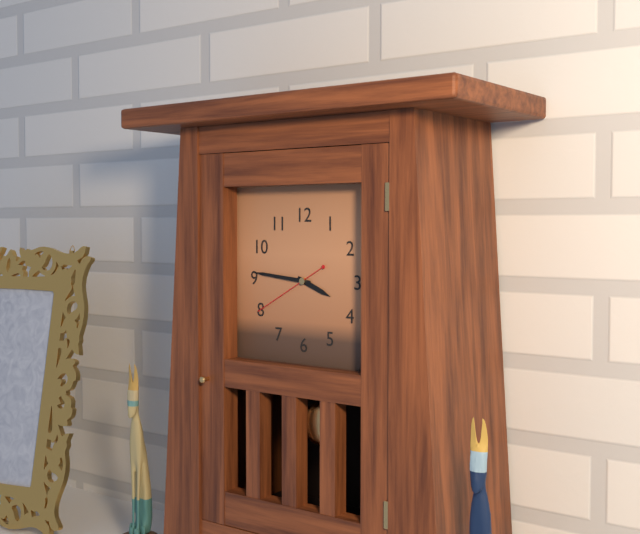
3:46:40
